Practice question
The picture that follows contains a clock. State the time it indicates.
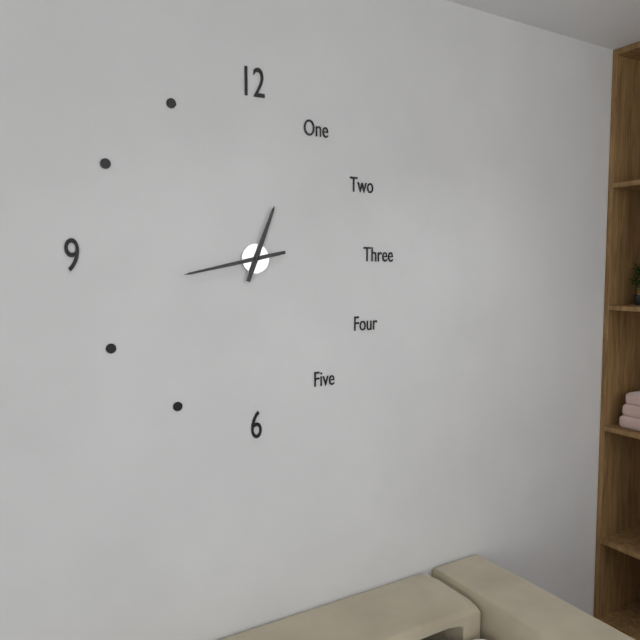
12:43
